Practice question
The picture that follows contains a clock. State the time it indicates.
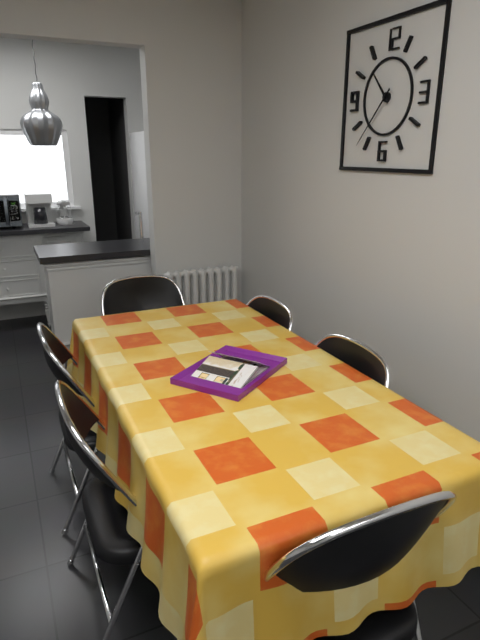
10:37
